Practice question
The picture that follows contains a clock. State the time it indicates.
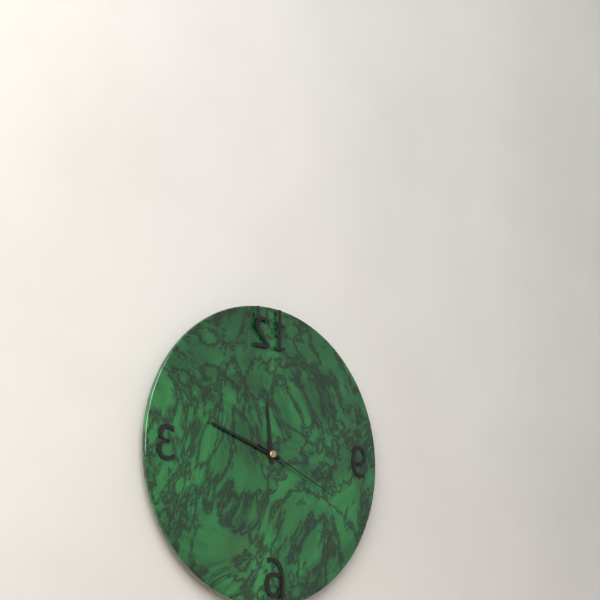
11:48:19
